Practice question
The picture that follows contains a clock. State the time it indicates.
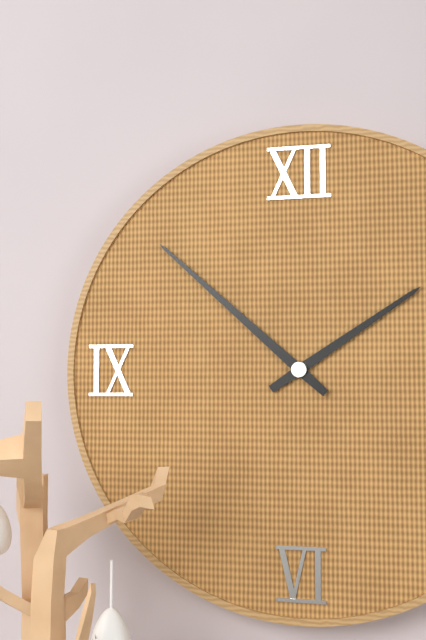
1:52
